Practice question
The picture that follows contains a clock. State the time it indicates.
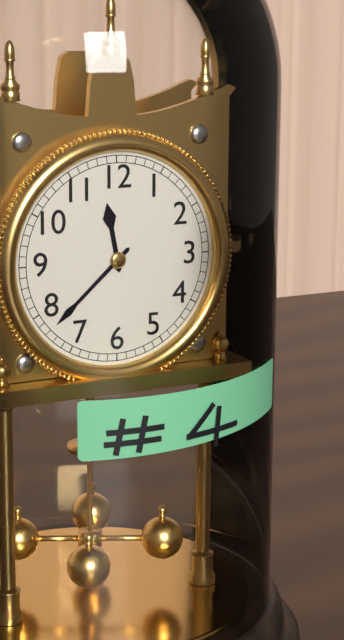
11:38
